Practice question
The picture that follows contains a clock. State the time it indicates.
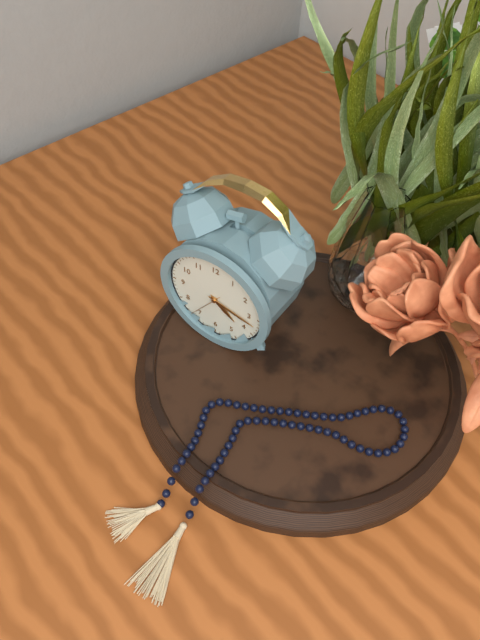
4:17
